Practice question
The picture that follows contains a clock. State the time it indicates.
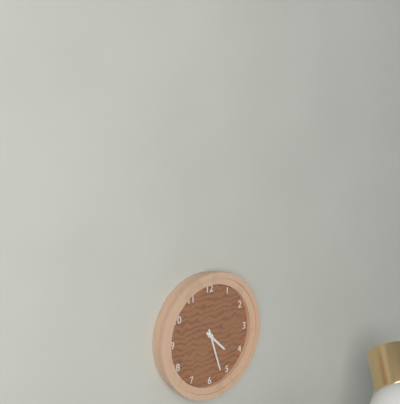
4:27
